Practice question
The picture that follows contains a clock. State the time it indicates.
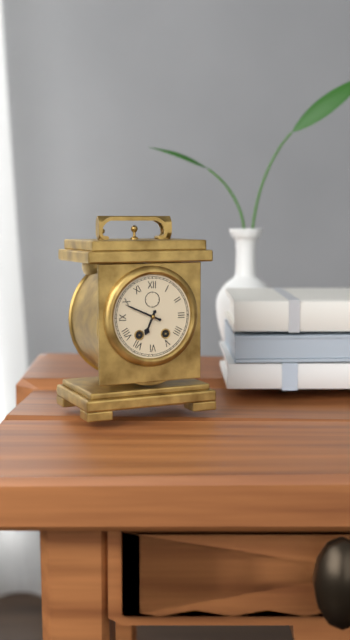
6:49
